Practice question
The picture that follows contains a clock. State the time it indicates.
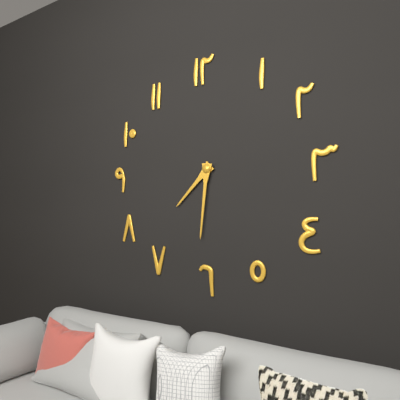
7:31
